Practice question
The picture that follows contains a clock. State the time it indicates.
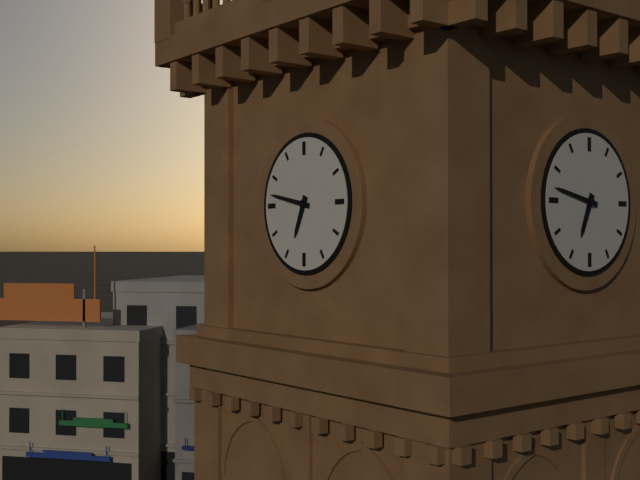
6:47
